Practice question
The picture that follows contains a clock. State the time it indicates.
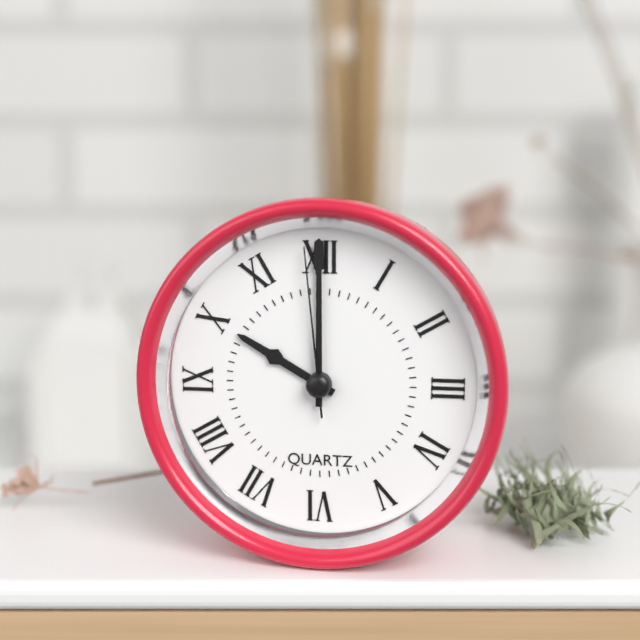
10:00:59
